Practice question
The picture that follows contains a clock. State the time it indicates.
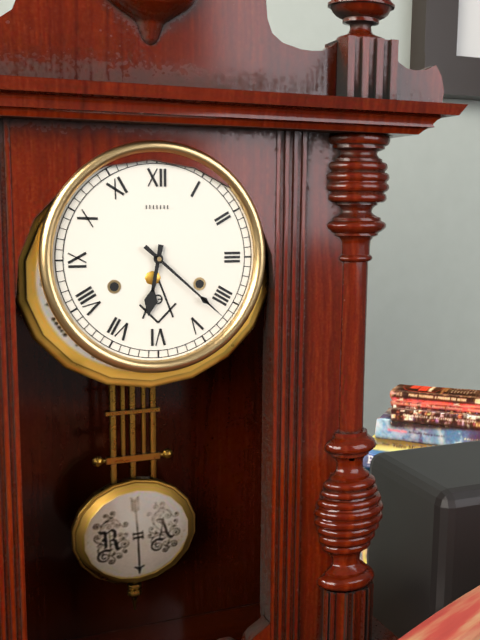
6:22
